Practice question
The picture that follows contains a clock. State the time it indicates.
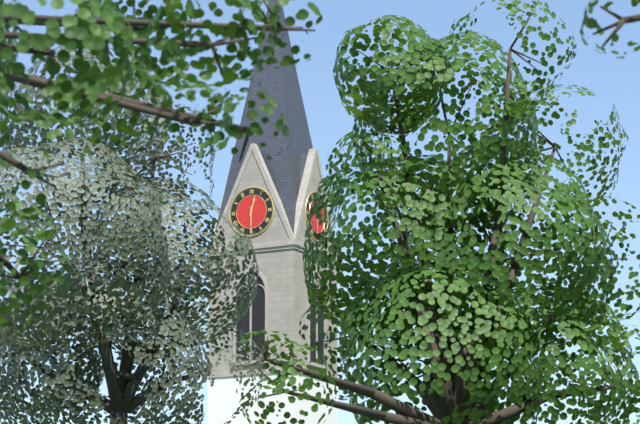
12:30
